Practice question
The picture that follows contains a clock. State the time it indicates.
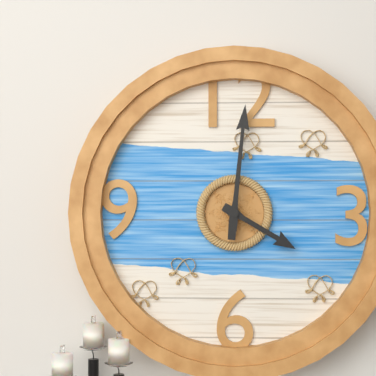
4:01
